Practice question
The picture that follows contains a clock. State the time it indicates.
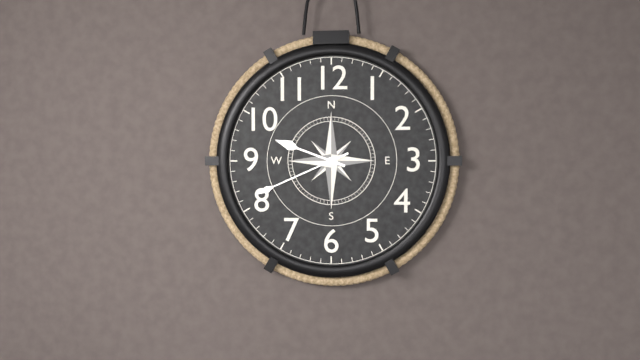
9:41
